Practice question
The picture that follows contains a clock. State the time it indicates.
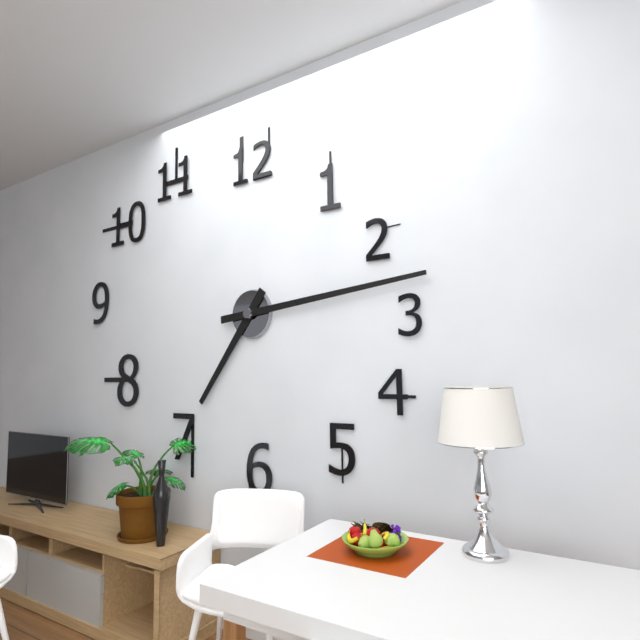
7:14
